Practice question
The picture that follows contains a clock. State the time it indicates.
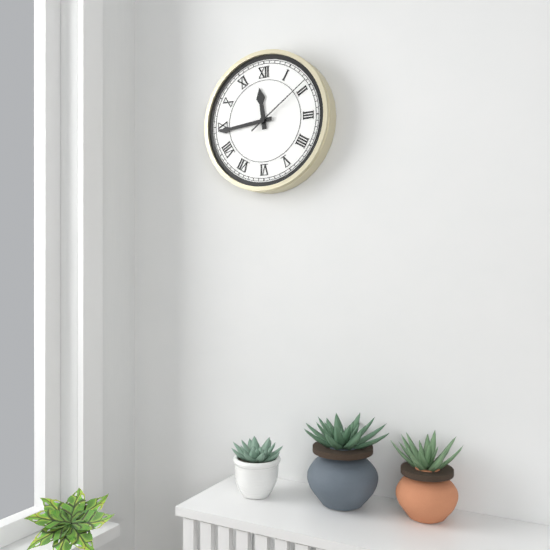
11:44:09
